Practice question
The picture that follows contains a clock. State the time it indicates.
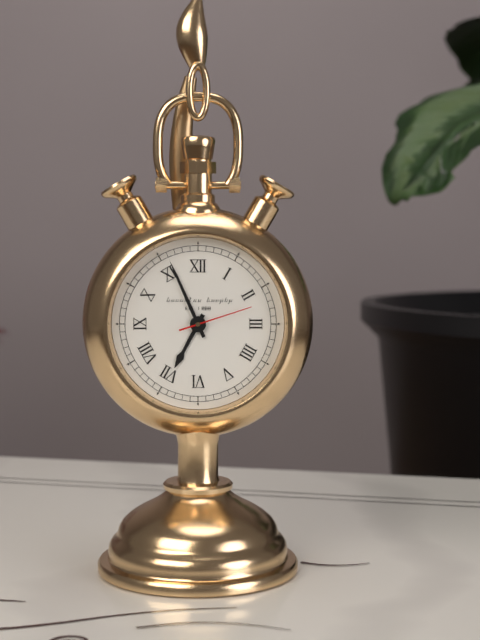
6:56:12
